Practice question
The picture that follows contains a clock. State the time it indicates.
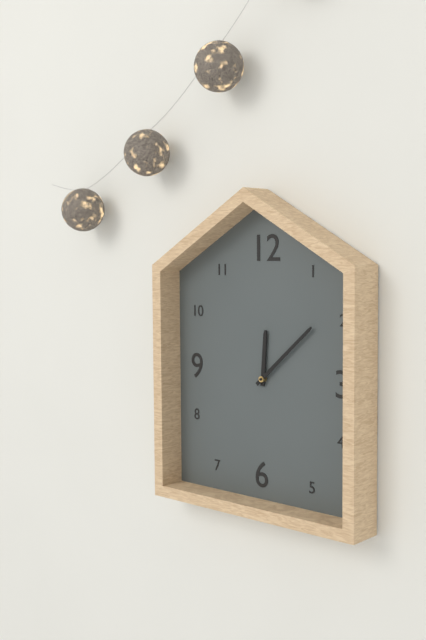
12:08
